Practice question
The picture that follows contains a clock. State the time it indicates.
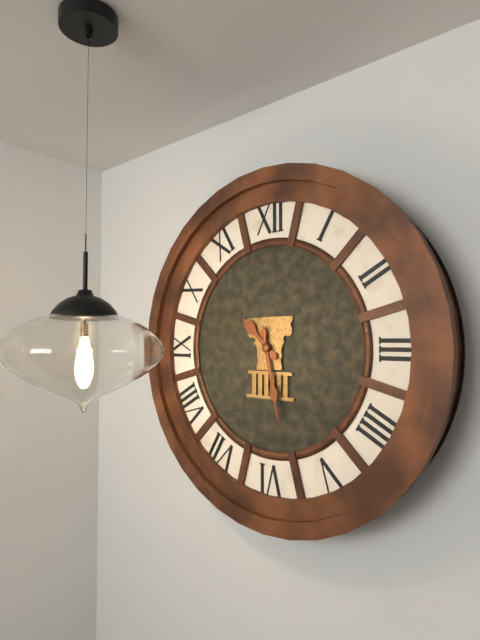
10:28
